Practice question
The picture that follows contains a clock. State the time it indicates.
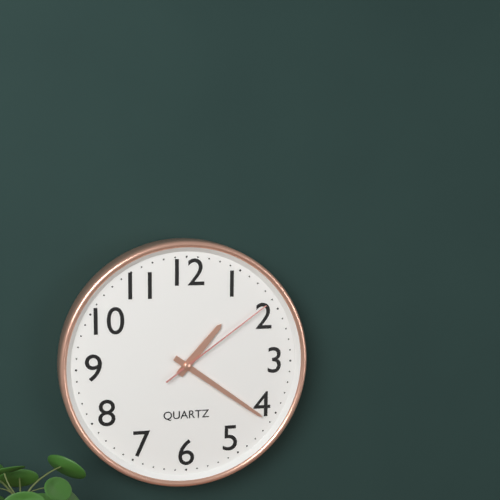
1:21:09
